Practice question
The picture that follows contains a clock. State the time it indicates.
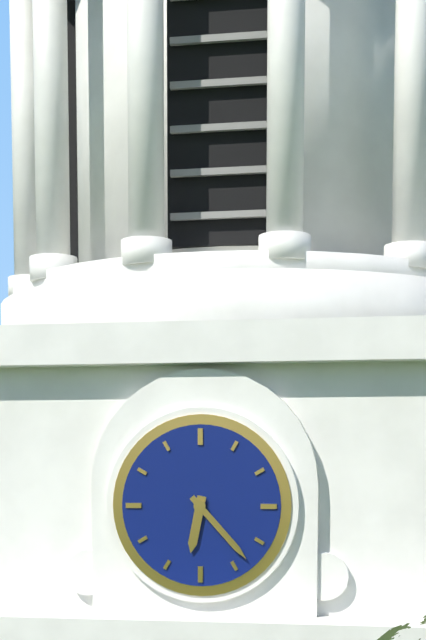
6:23
